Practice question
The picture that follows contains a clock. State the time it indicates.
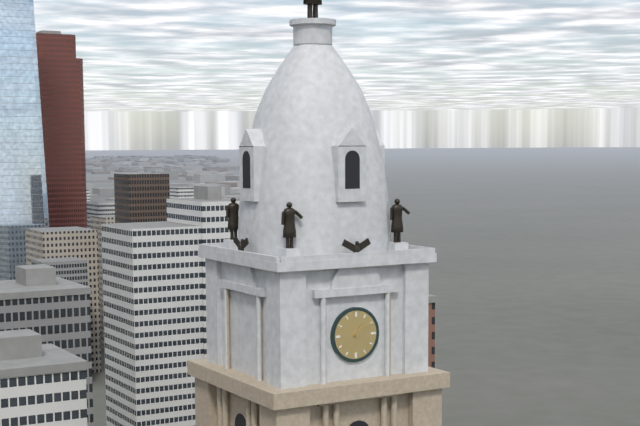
1:10
